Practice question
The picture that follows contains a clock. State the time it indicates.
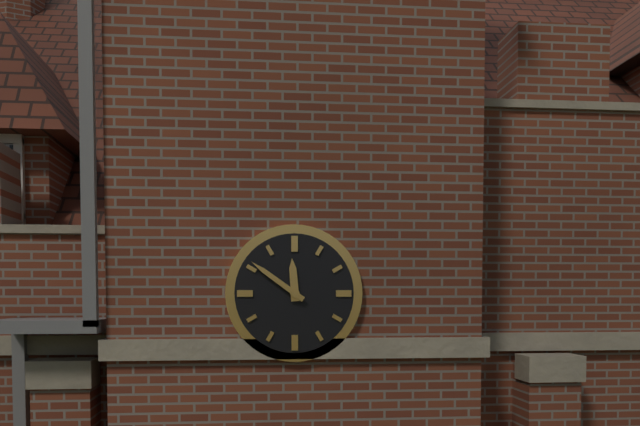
11:51
